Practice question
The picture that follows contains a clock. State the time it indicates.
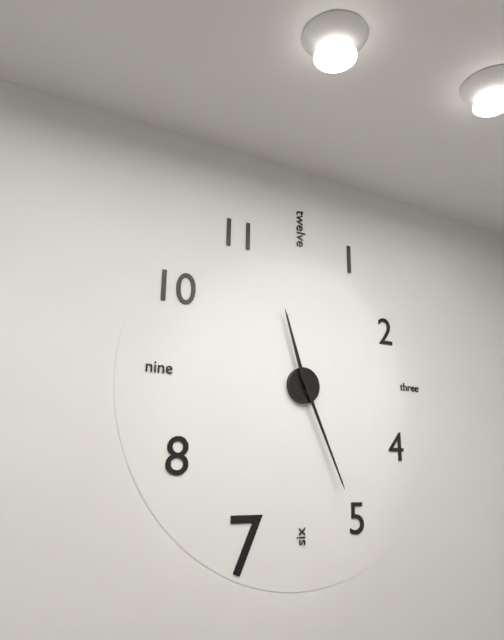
11:26
